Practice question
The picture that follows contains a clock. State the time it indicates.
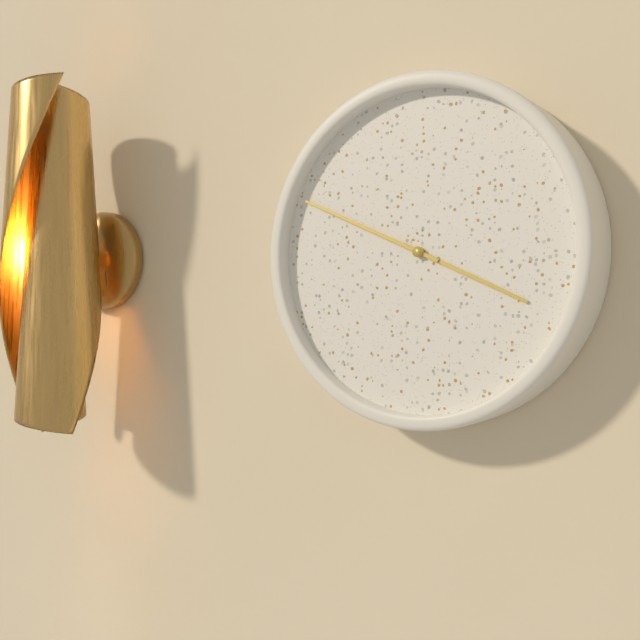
3:49
